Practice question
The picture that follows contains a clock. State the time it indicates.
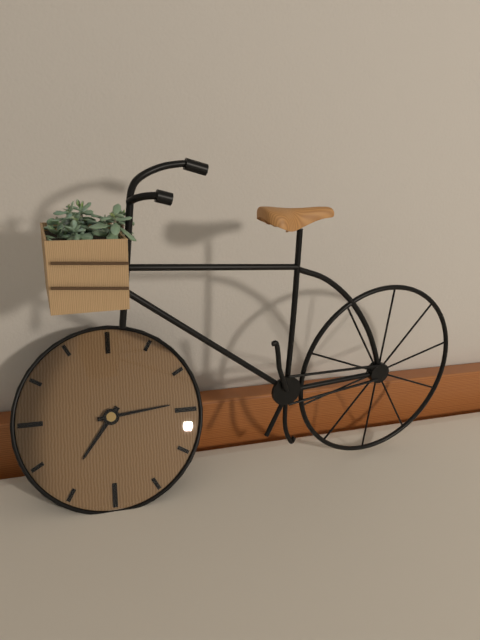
7:14
